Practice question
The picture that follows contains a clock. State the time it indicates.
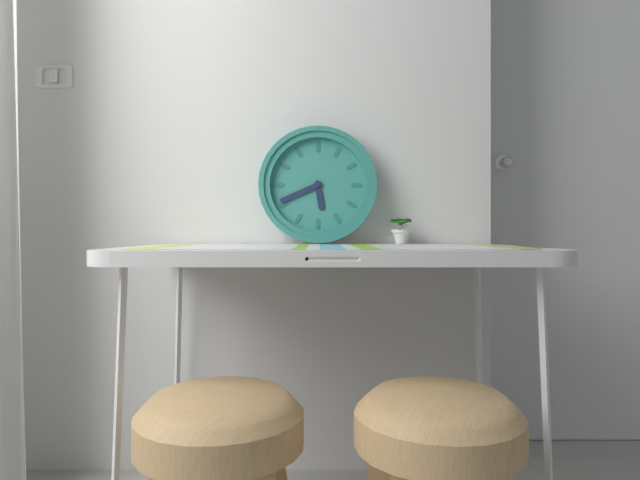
5:41
